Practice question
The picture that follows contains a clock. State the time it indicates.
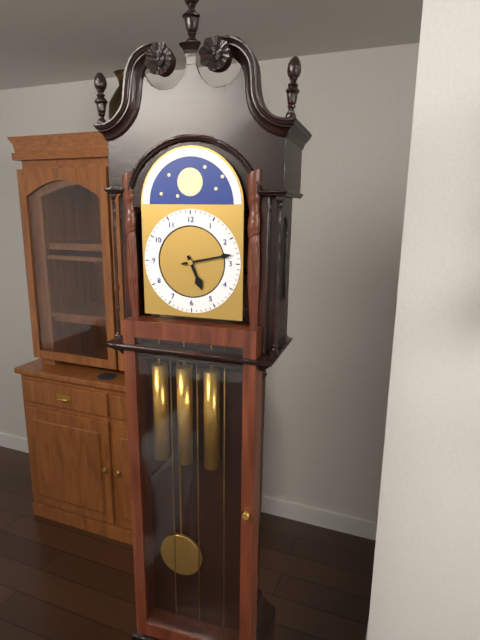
5:13
